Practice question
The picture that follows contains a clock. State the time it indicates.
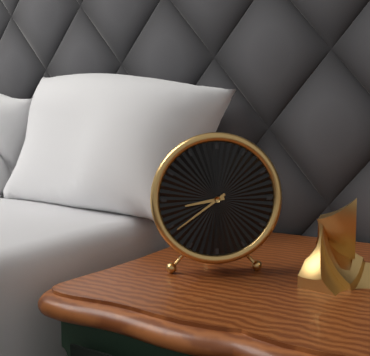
8:39
